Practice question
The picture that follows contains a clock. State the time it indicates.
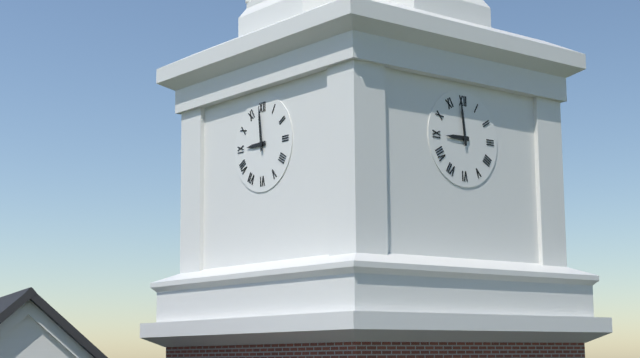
8:59
